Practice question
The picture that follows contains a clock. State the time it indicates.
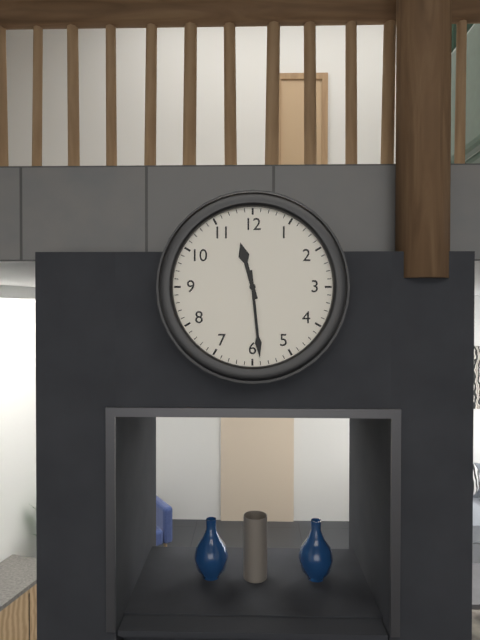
11:29
